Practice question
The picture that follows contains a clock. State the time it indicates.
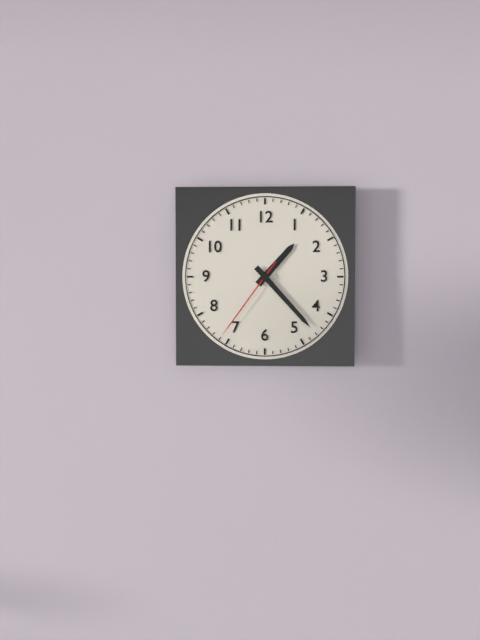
1:23:36
